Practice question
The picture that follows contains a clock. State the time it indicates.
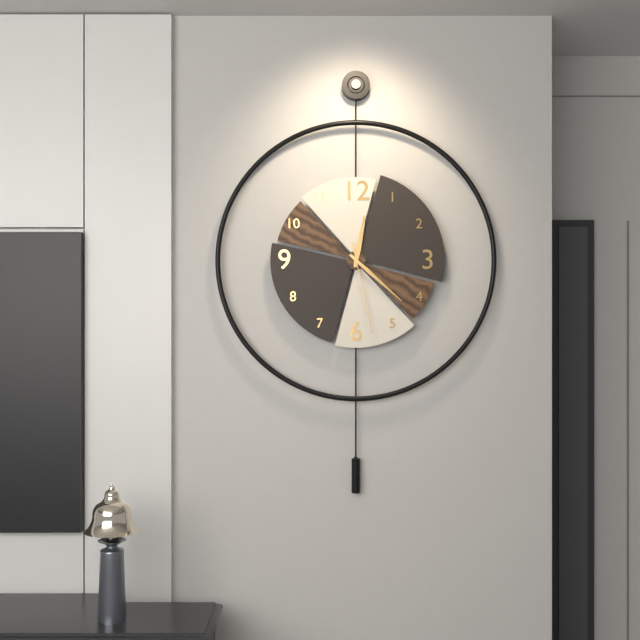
12:22:28
